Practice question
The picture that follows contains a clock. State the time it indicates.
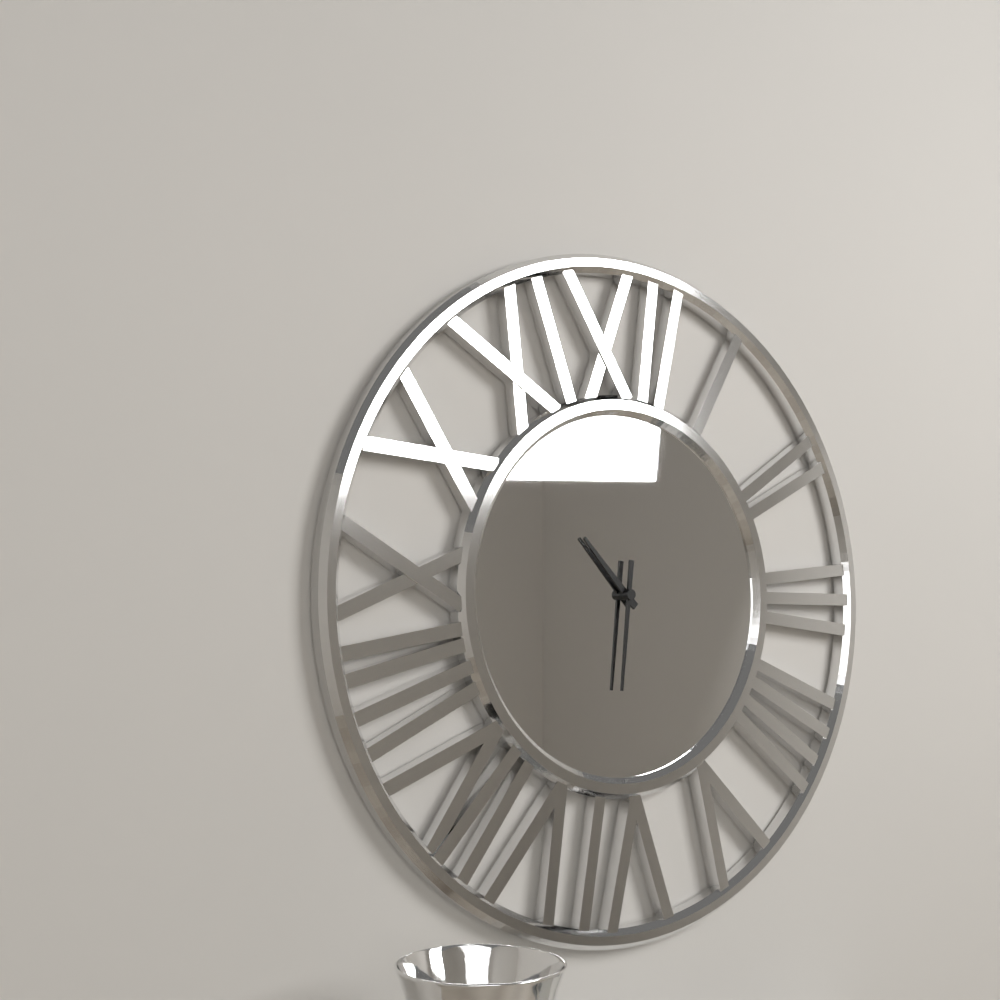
10:31
